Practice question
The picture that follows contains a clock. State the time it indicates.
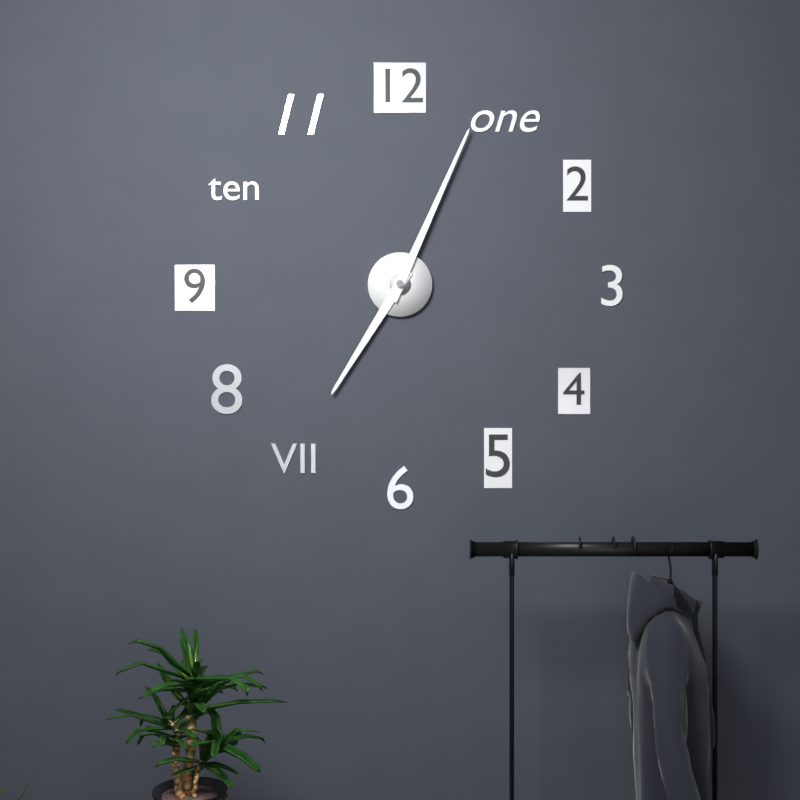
7:04
